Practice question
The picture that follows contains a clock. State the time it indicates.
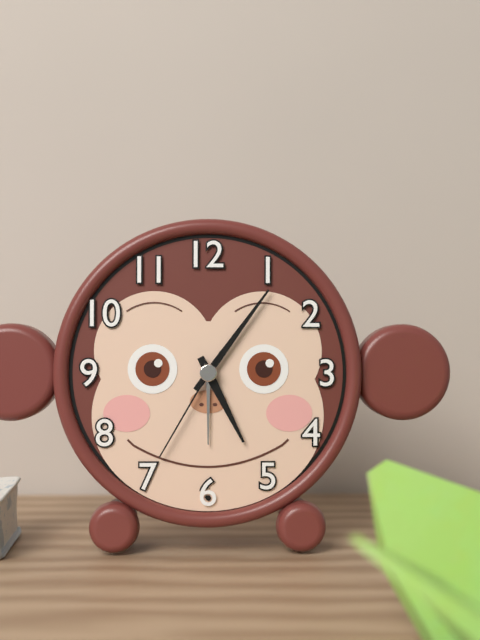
5:06:35
